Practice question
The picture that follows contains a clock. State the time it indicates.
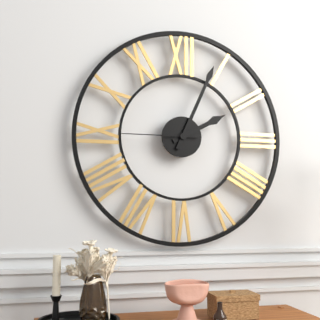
2:04:45
